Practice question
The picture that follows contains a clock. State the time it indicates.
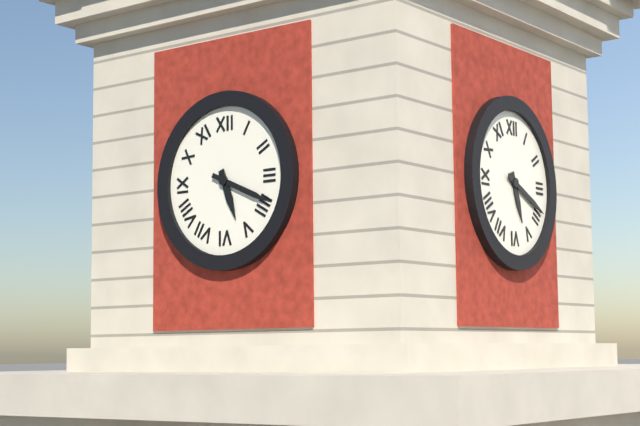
5:19
